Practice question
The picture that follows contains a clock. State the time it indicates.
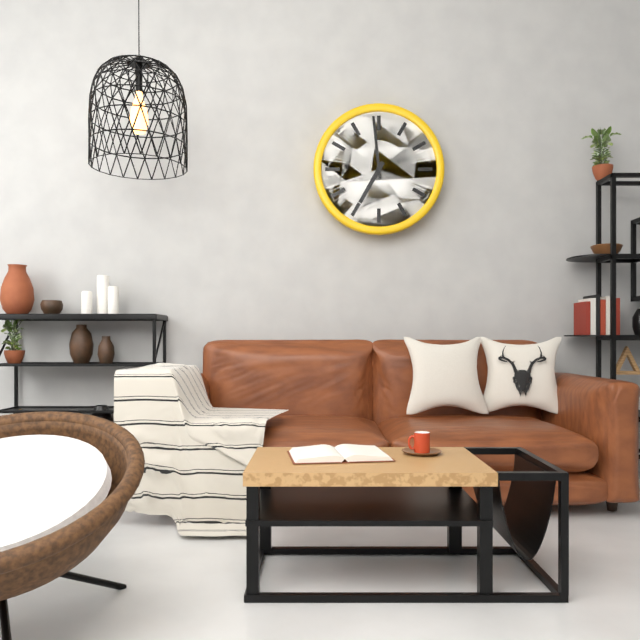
6:59
